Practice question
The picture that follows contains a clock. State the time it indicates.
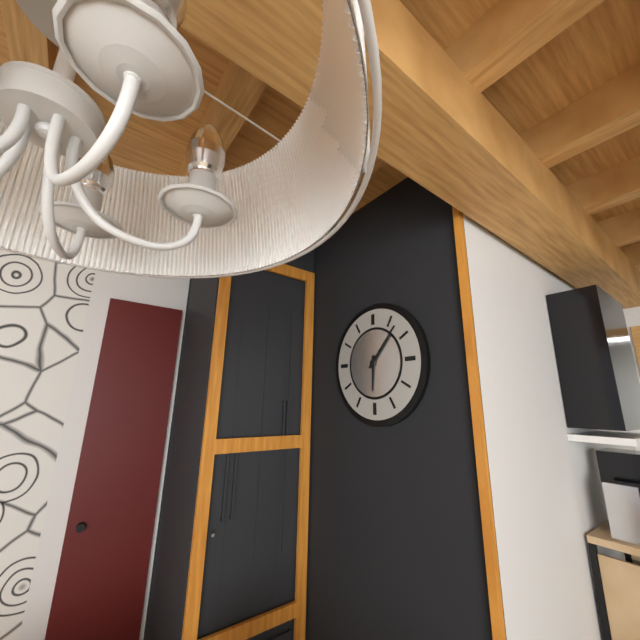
6:07
